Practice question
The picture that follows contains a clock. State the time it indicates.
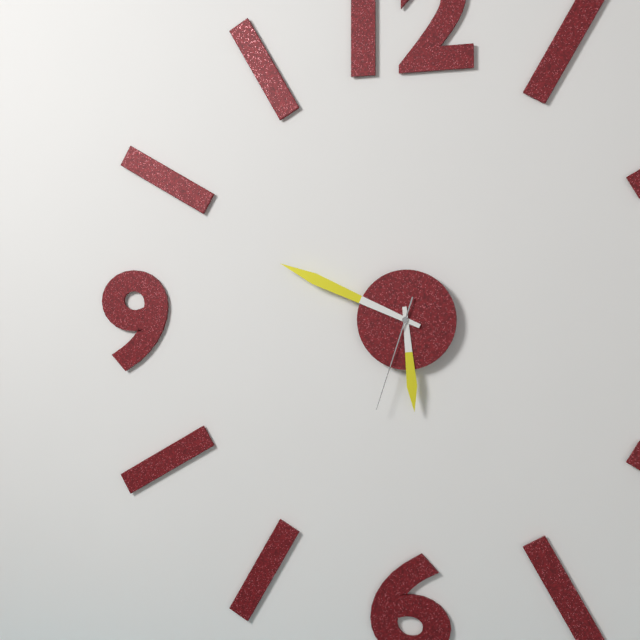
5:49:33
